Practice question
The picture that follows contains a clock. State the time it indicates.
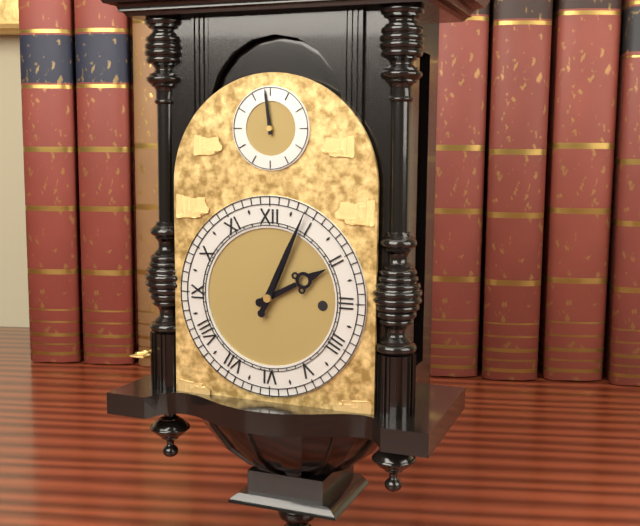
2:04
